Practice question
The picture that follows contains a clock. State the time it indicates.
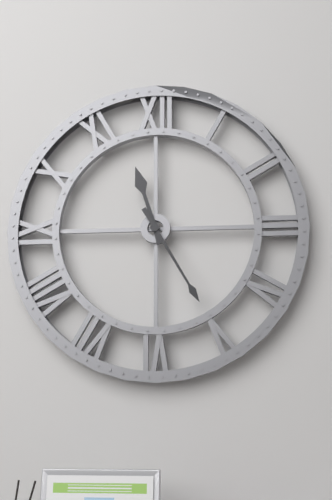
11:25
